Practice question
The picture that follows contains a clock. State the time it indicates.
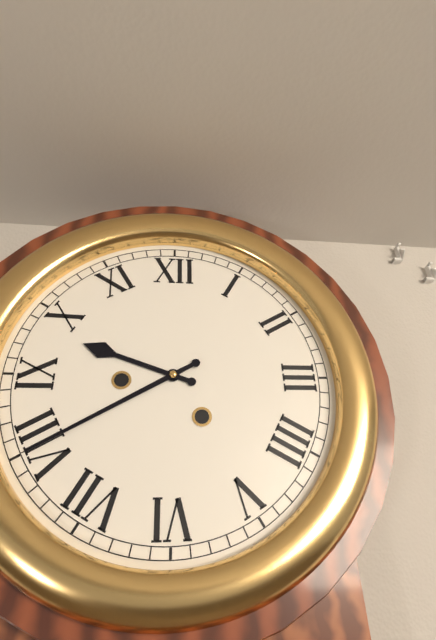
9:40
